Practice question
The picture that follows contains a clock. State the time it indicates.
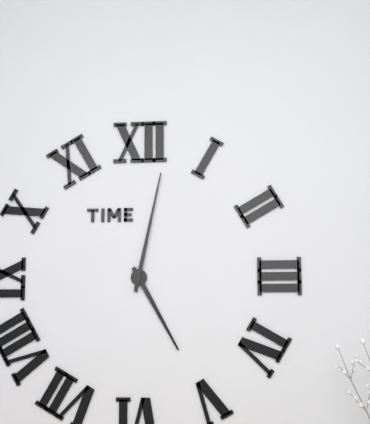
5:02
